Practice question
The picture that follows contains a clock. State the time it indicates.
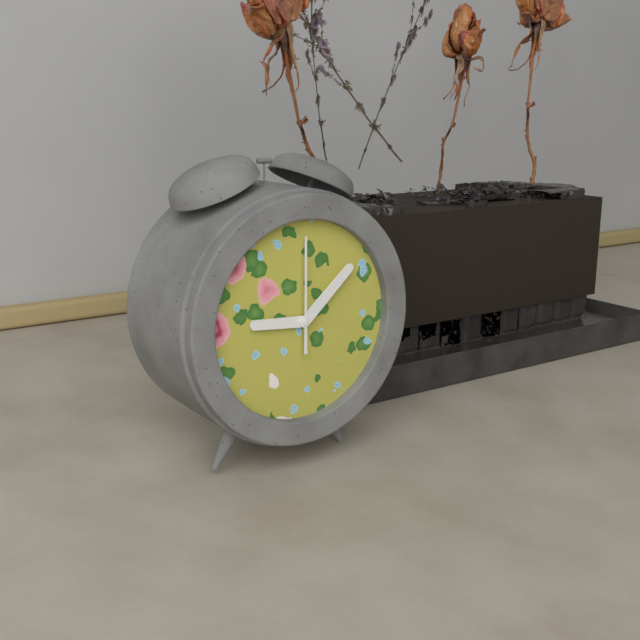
9:08:00
